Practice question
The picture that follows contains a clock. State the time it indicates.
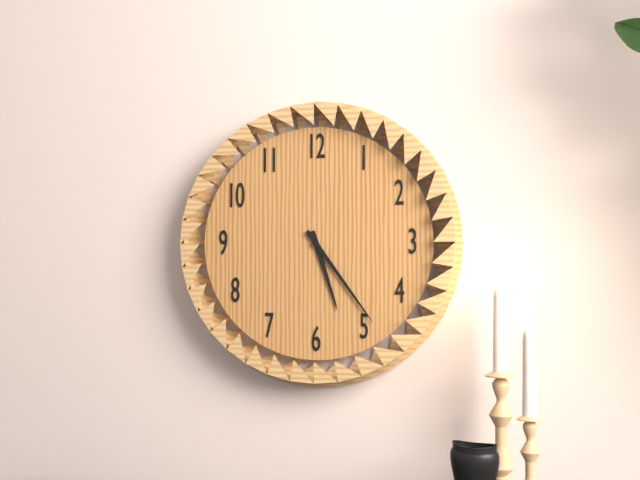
5:24
